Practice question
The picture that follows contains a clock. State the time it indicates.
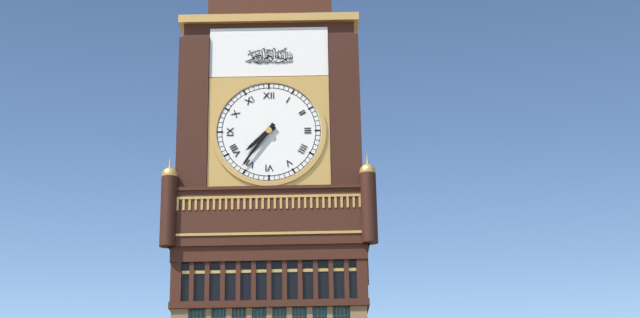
7:36
